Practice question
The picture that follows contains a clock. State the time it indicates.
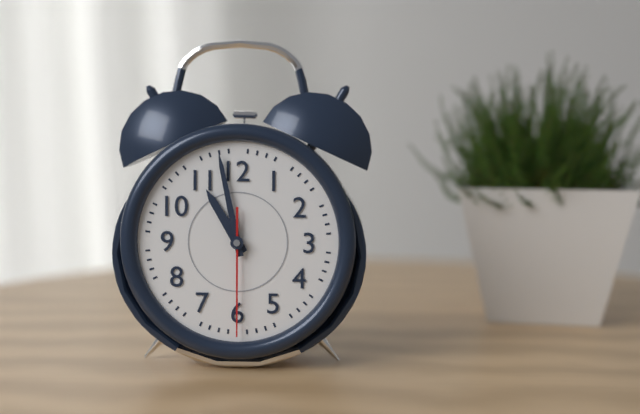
10:58:30
